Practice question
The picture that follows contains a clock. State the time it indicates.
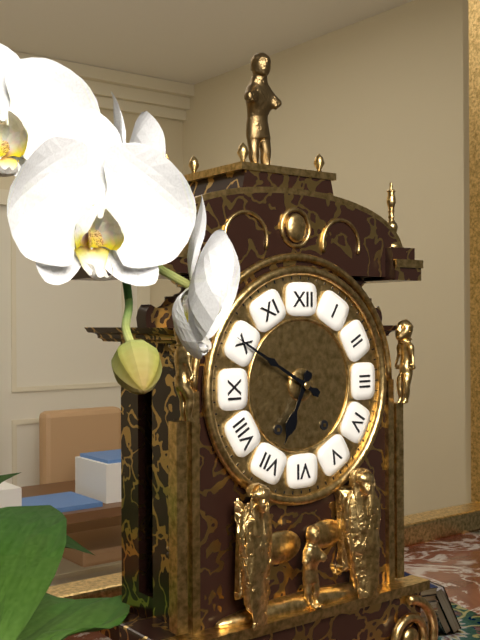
6:50
